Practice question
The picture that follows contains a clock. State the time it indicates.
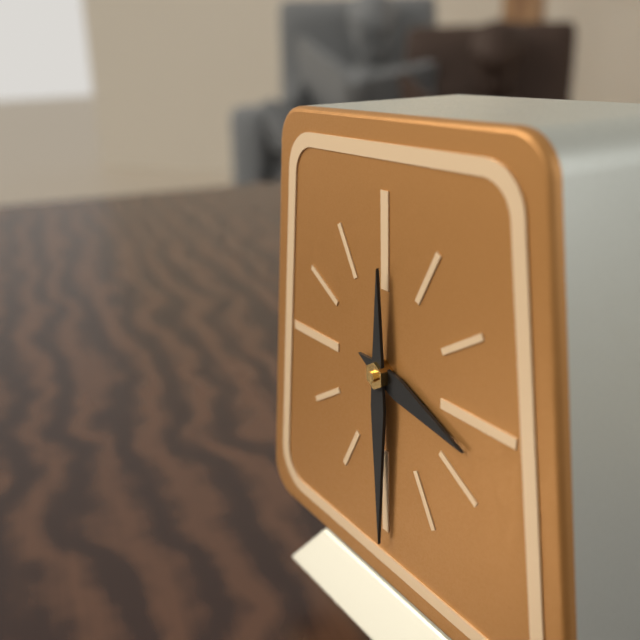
3:30
